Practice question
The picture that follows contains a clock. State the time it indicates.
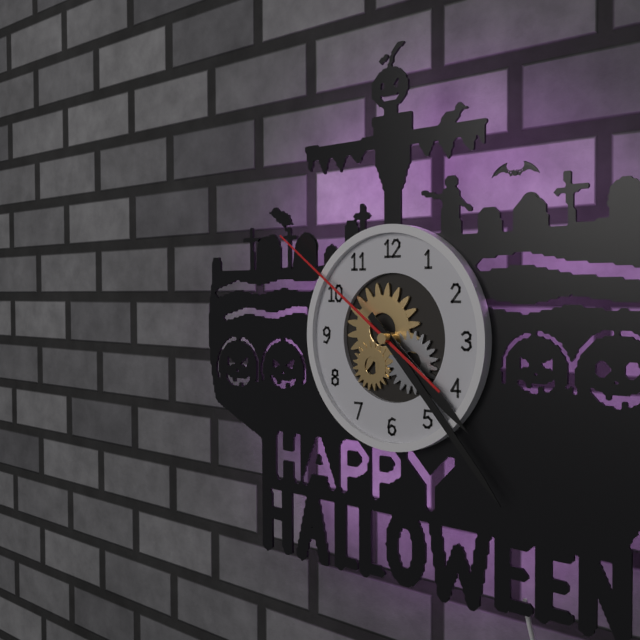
4:23:51
